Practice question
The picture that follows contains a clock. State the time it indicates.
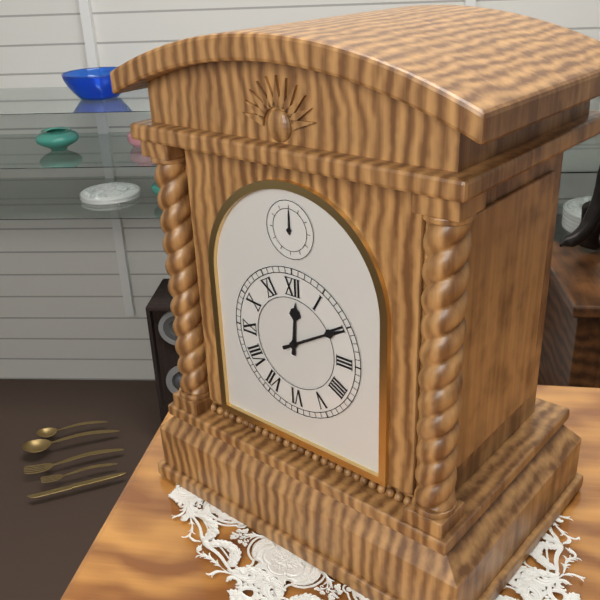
12:10
